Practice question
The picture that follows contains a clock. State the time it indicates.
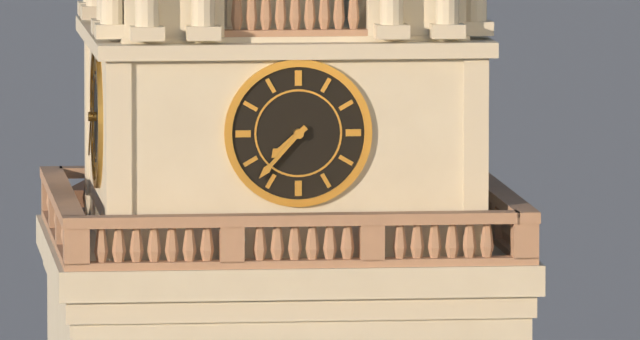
7:37
